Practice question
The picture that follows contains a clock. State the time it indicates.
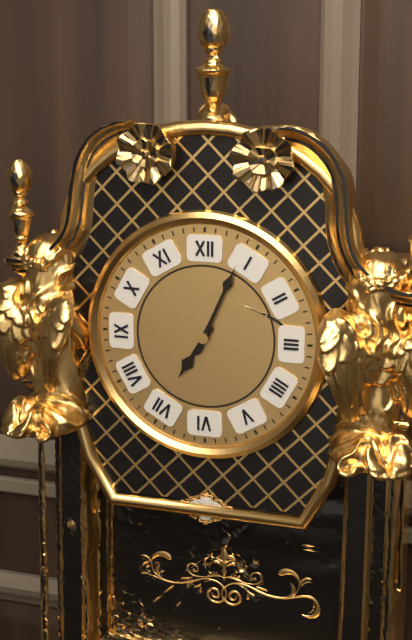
7:04
